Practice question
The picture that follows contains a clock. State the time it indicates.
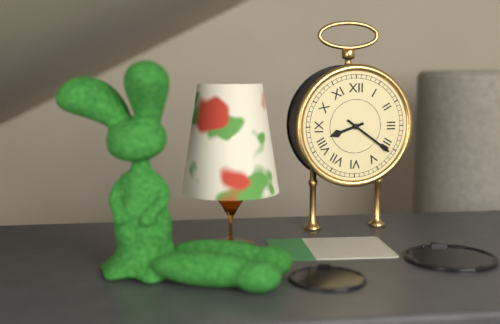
8:21
